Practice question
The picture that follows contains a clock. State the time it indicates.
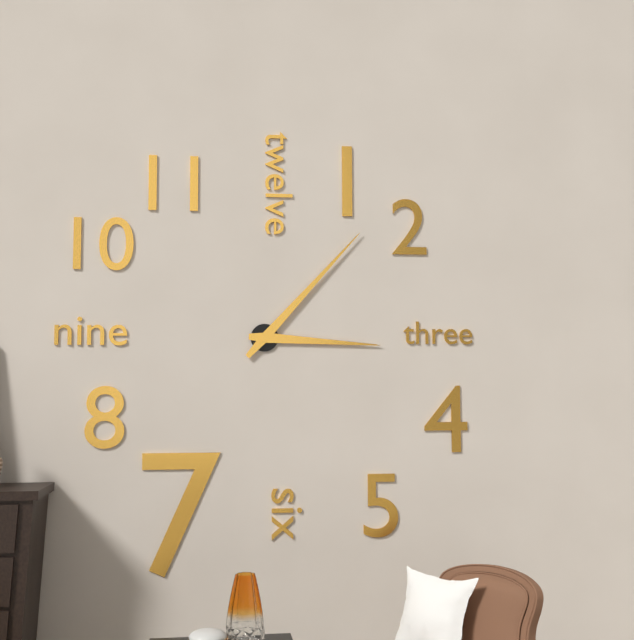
3:07
